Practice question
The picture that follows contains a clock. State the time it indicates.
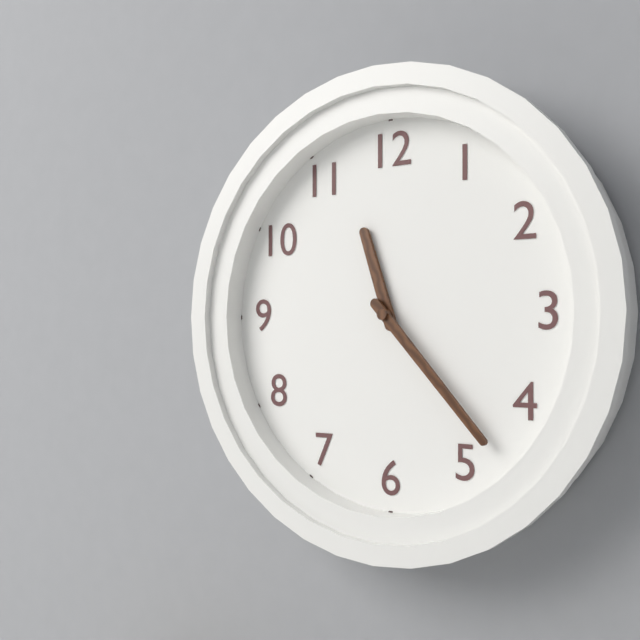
11:23
